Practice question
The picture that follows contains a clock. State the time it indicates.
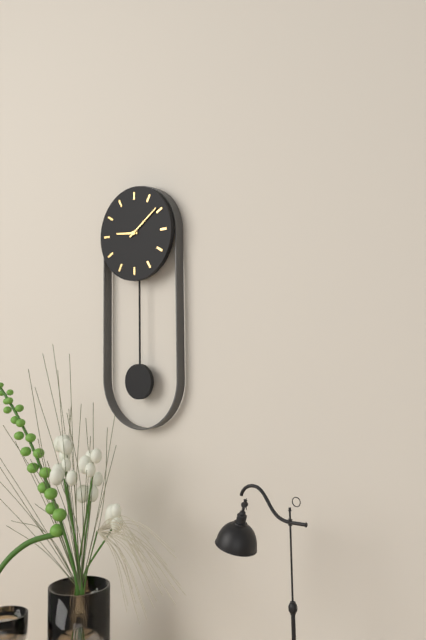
9:09
